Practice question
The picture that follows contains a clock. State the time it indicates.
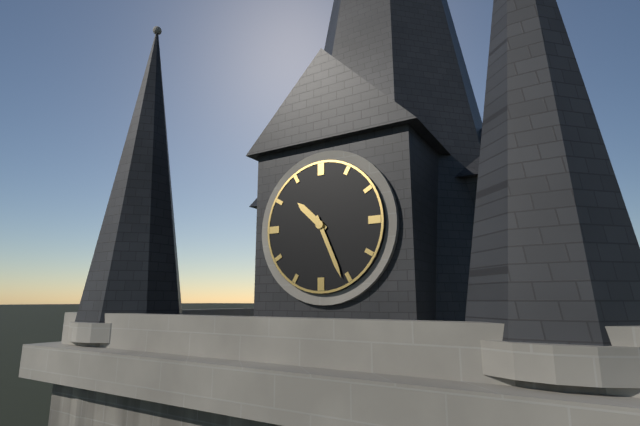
10:26
